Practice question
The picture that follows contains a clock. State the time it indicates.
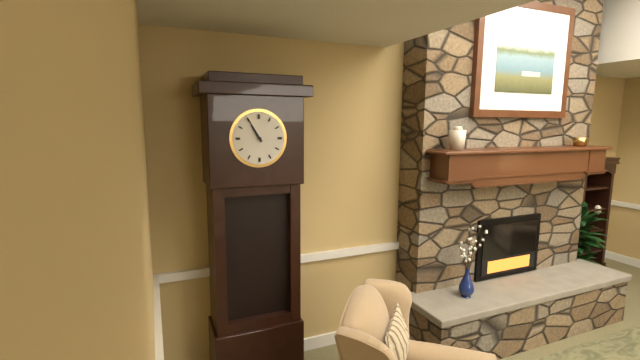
10:55
